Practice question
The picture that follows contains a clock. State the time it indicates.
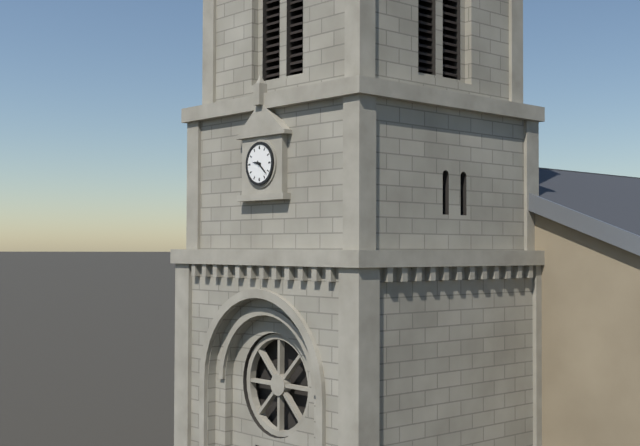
9:22
